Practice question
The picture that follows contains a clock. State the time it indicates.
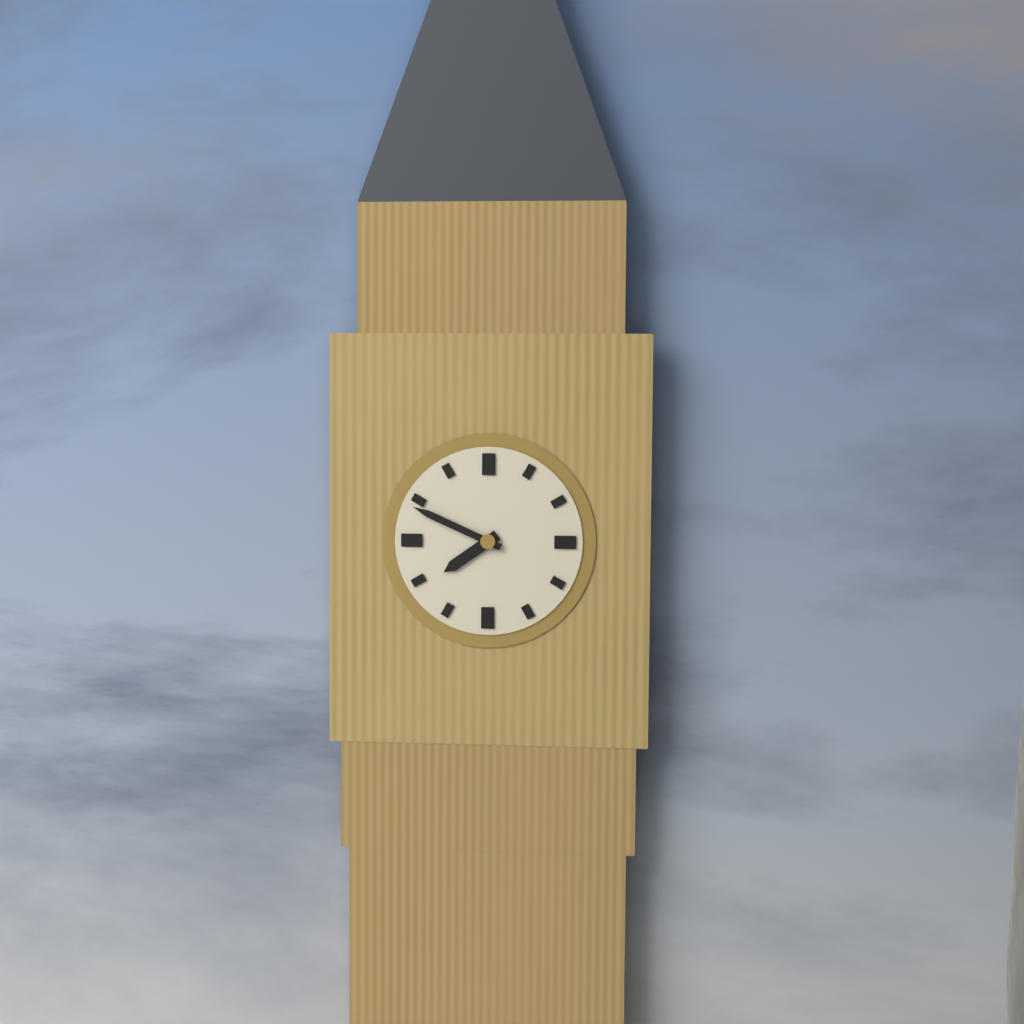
7:49
